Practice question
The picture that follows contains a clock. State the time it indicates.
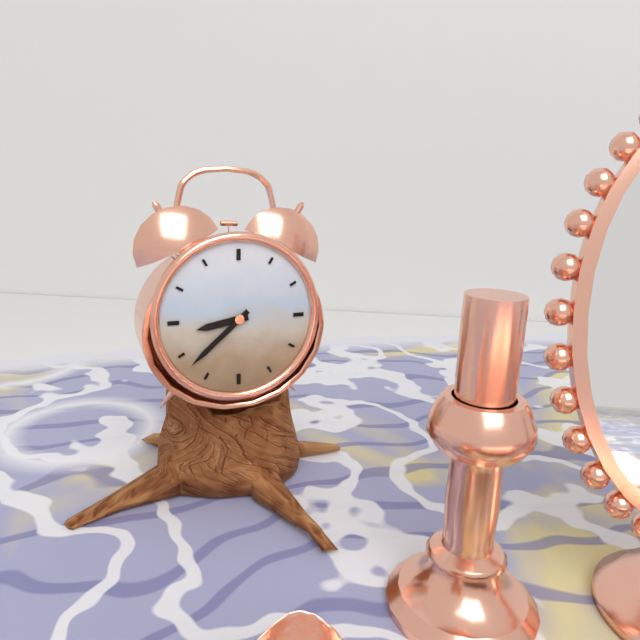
8:38
